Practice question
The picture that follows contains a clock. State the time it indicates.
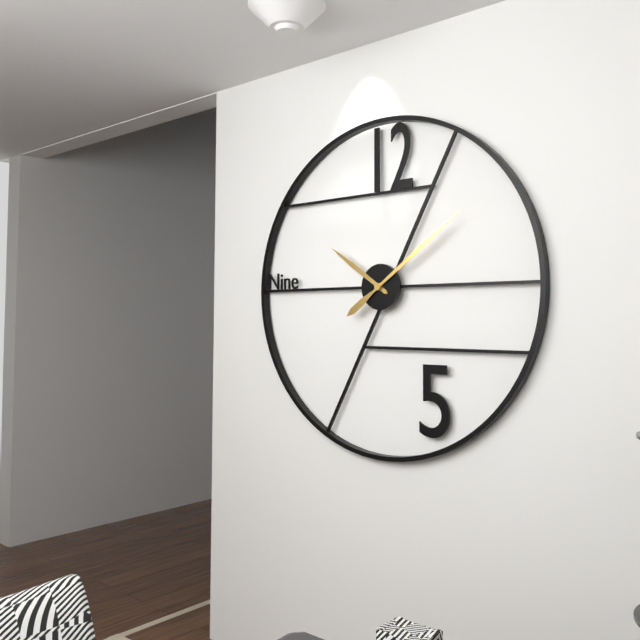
10:09
